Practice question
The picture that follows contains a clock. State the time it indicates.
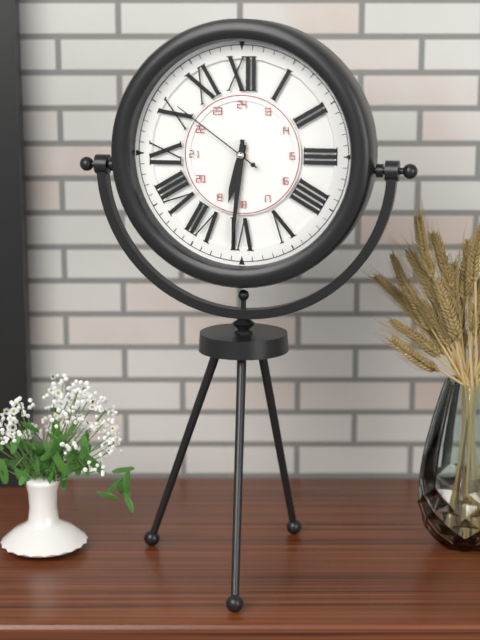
6:31:51
